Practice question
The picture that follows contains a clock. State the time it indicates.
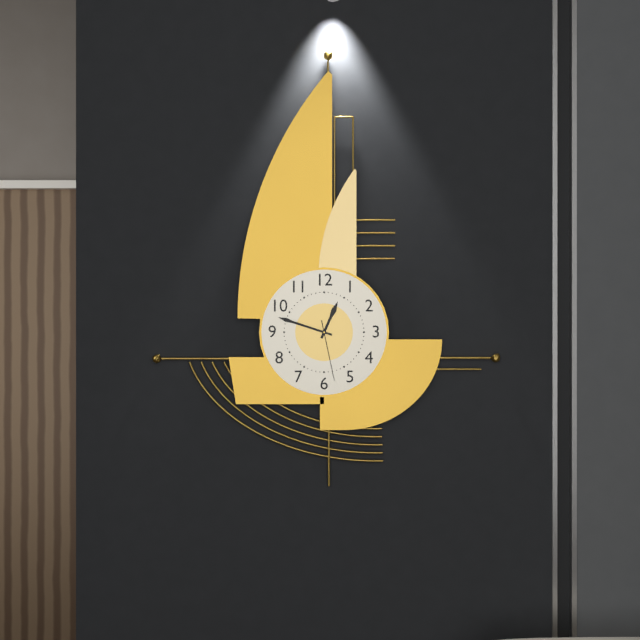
12:48:28
